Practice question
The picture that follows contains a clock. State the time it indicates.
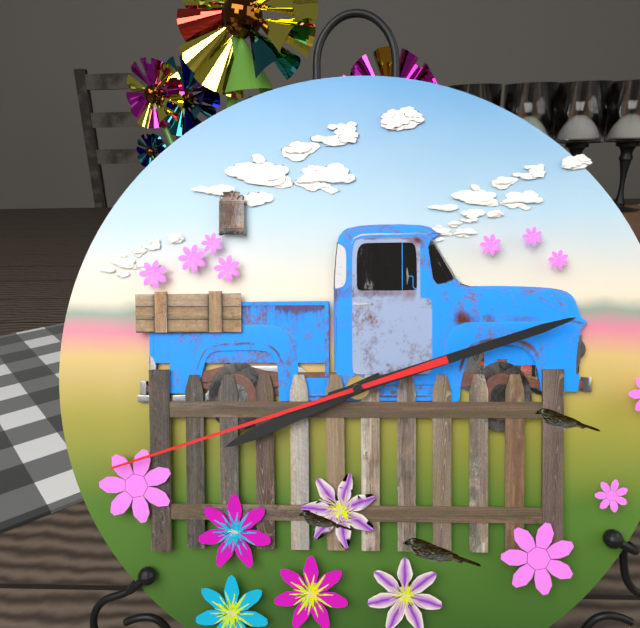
8:12:42
